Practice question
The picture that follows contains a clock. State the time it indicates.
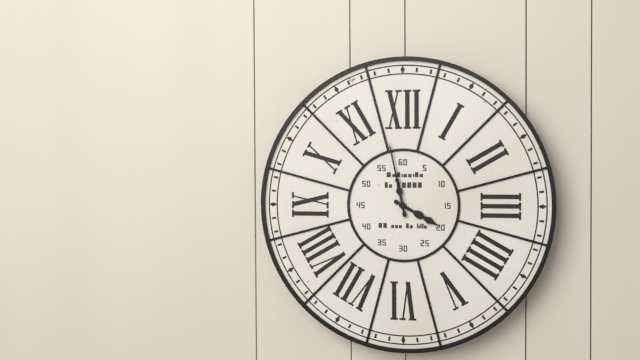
3:58
